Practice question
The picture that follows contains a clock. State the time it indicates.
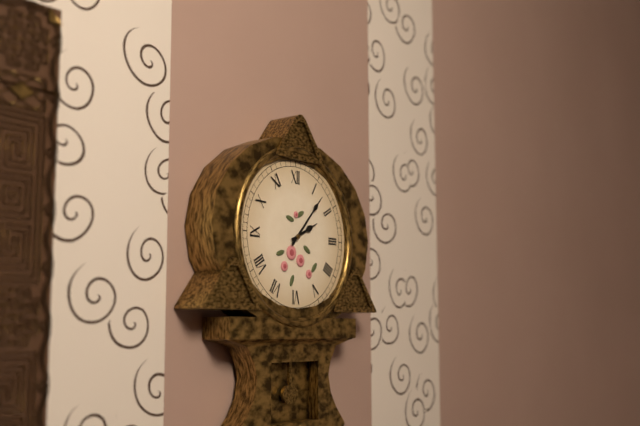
2:07
